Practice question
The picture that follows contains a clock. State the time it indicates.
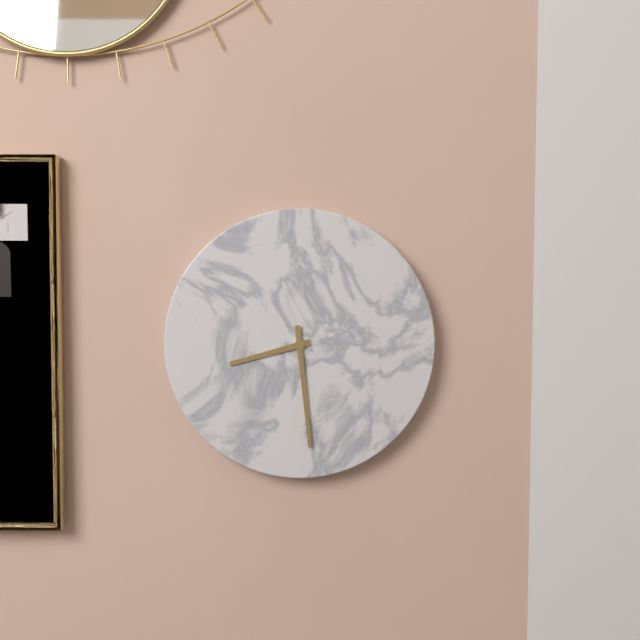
8:29
